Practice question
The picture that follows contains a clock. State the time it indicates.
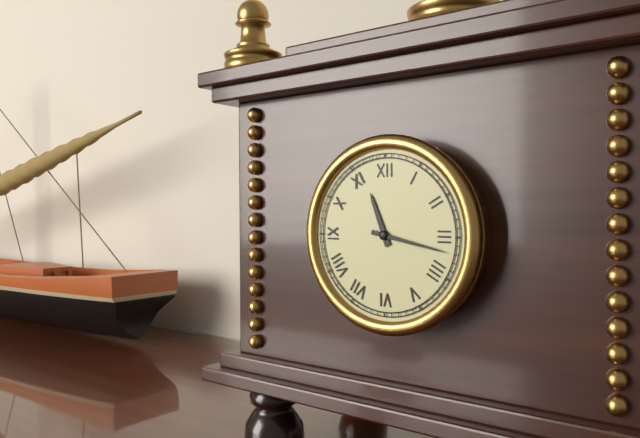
11:17
